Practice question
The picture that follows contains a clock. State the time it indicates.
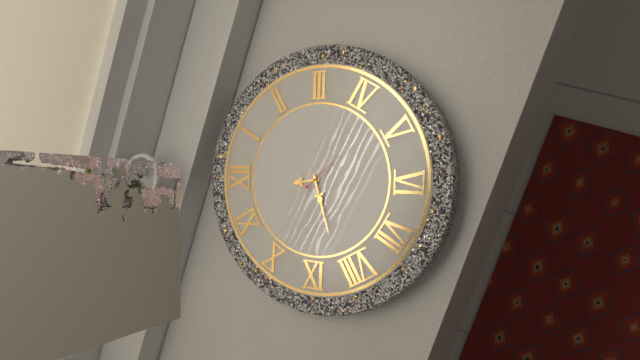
11:42
